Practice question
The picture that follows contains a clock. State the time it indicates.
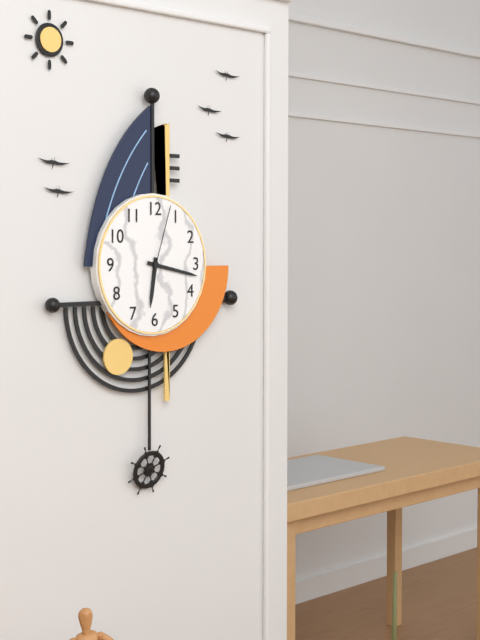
6:17:03
